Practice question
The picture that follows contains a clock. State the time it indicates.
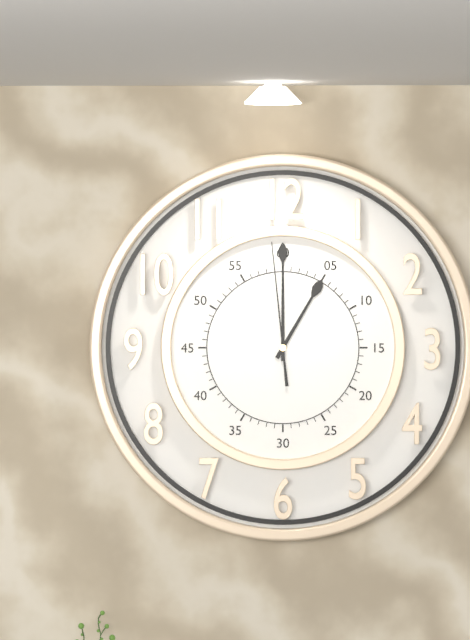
1:00:59
